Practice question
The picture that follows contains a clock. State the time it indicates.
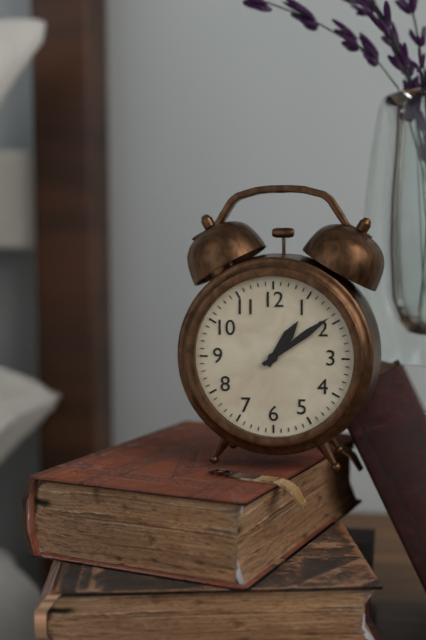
1:09
